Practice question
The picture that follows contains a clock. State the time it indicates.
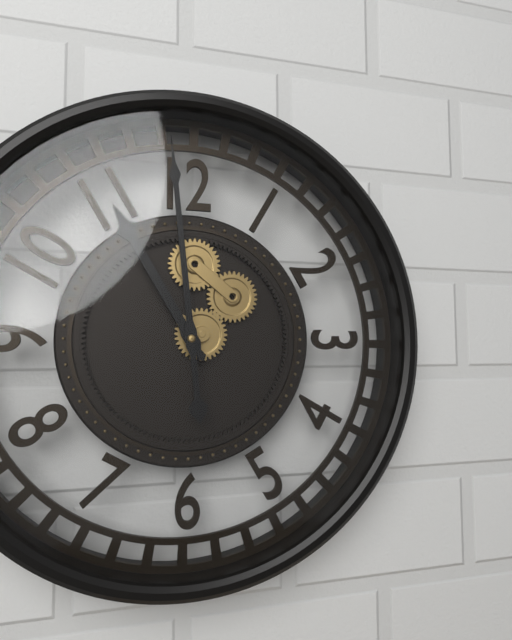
10:59
